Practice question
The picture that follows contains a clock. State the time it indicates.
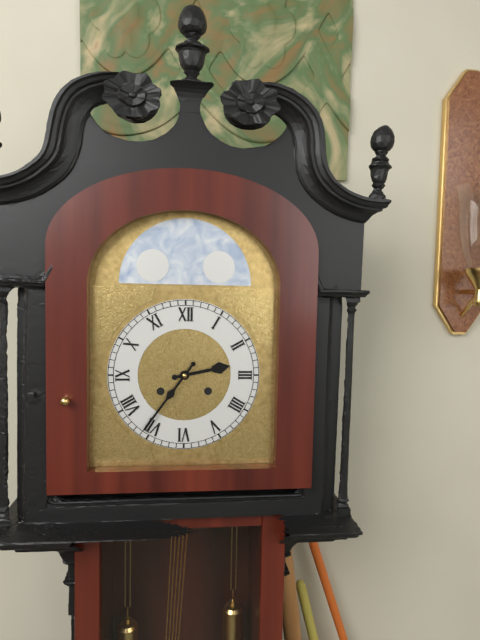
2:36
